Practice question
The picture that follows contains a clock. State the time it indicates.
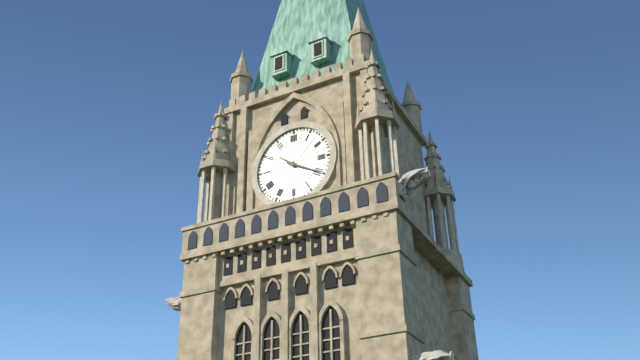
10:20
